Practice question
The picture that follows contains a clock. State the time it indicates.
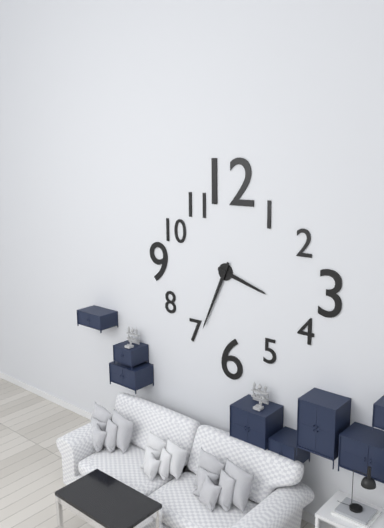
3:34
